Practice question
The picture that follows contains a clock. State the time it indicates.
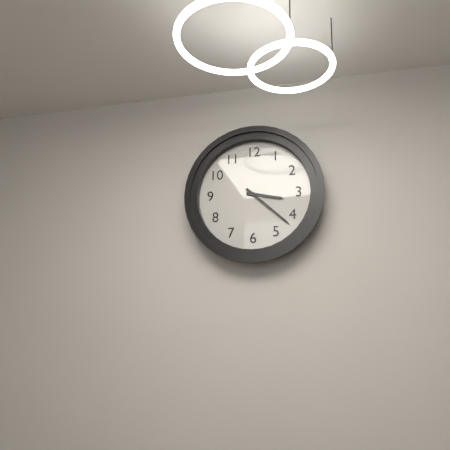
3:22
